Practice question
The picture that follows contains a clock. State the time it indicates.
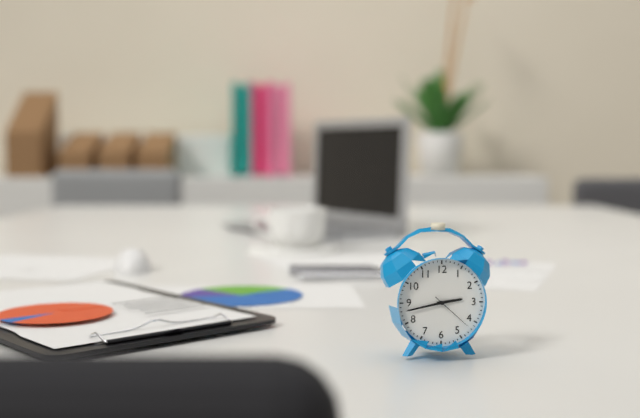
2:43
